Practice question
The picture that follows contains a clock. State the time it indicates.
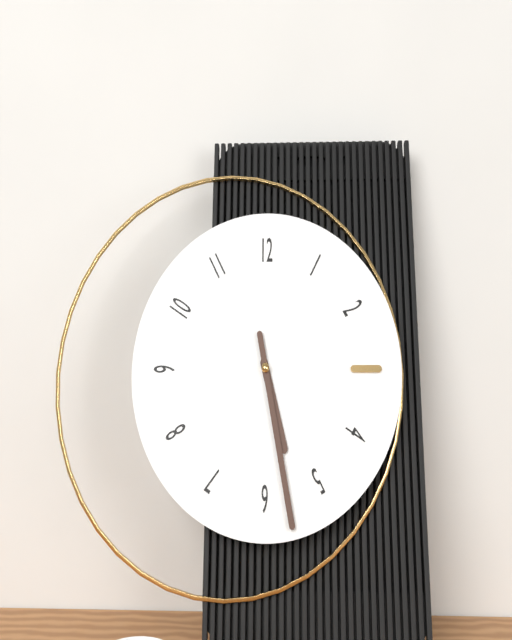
5:28
